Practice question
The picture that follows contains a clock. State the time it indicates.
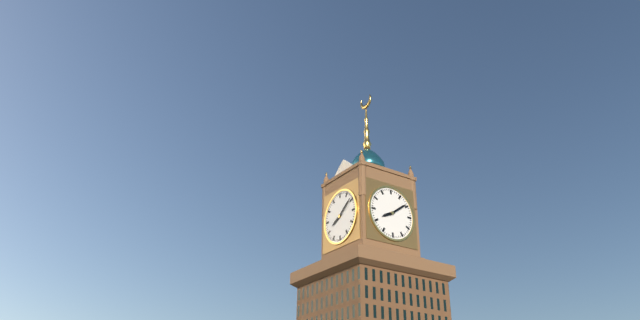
8:09
